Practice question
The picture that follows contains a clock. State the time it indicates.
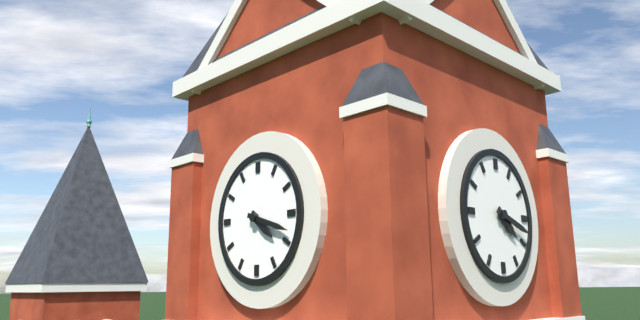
4:18
